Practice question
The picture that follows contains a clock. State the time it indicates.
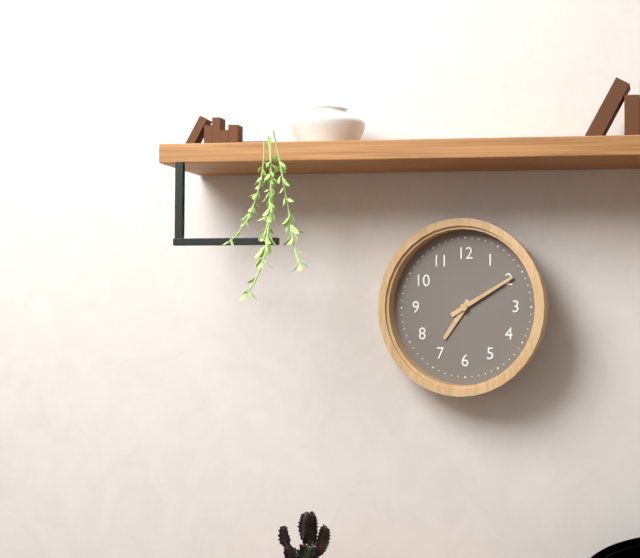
7:10
